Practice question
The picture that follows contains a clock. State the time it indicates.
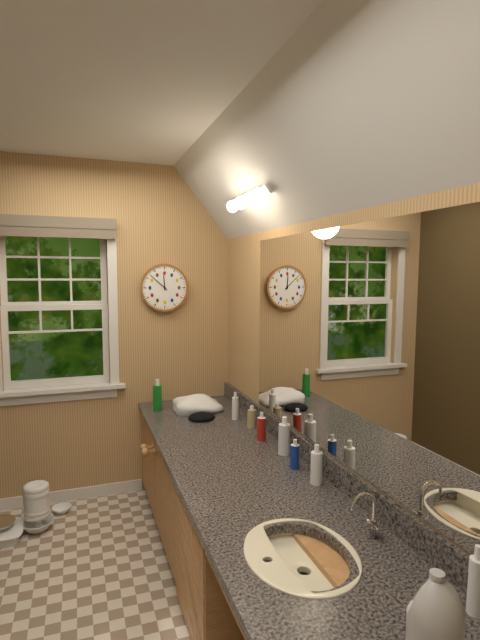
11:52
